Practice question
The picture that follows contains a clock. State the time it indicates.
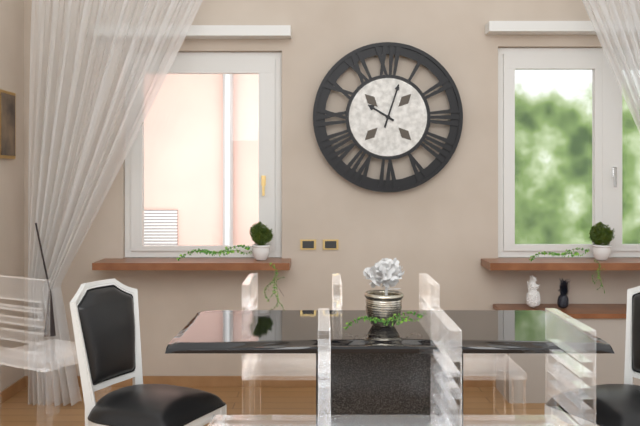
10:03
